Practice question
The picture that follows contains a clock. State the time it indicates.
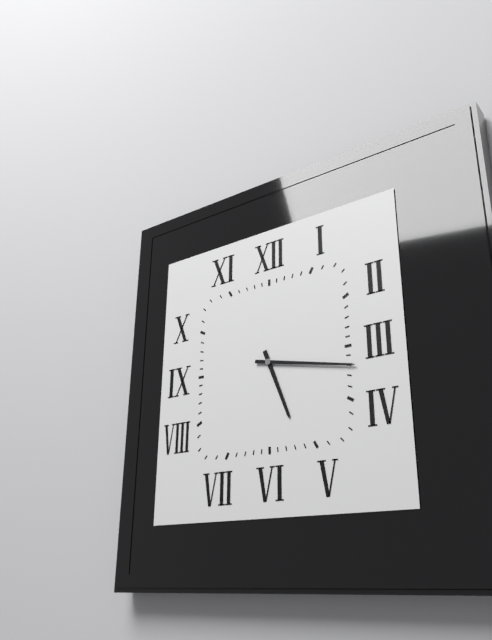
5:17
